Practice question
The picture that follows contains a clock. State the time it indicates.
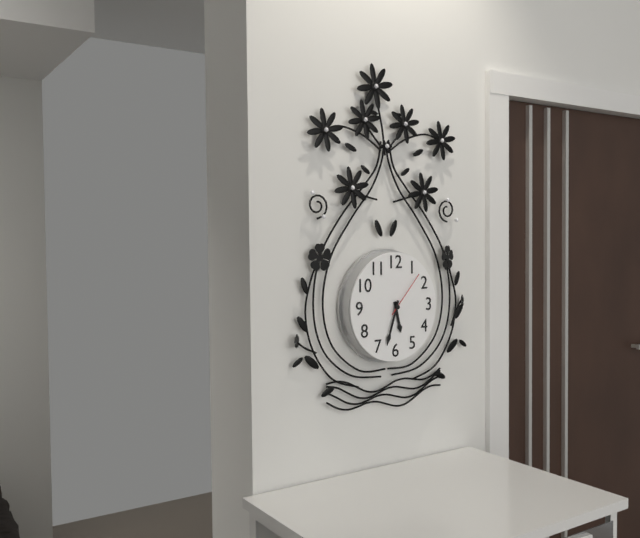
5:33
